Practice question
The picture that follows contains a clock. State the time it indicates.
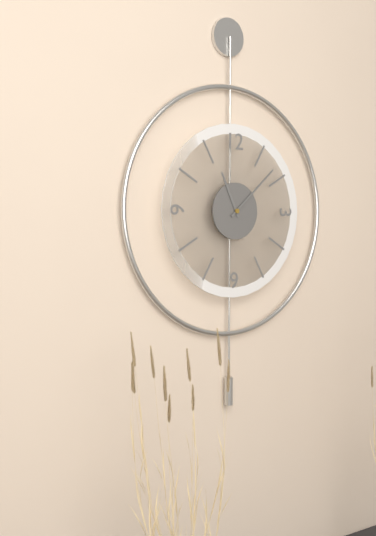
11:08
